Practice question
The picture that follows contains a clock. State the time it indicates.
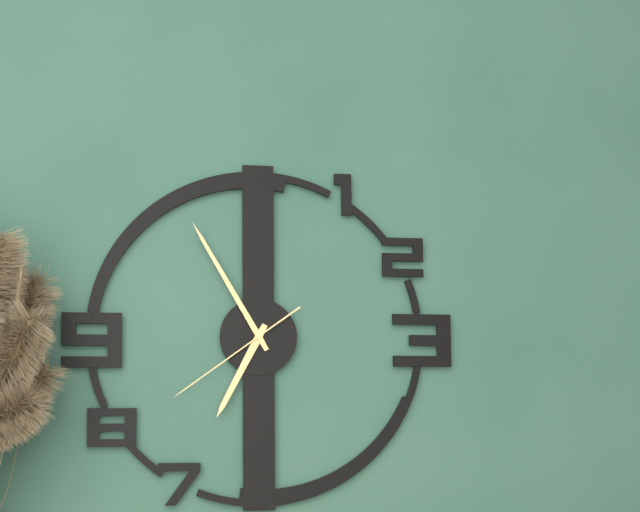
6:55:39
